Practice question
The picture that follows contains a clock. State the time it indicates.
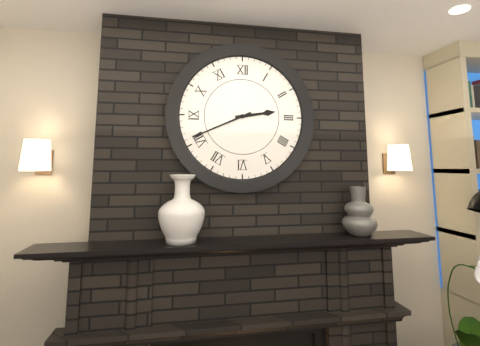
2:41
